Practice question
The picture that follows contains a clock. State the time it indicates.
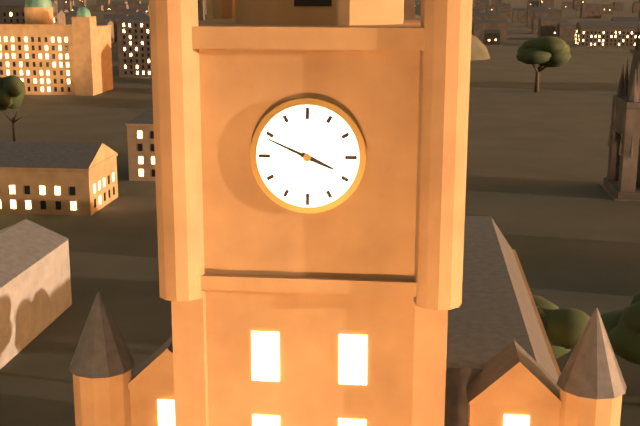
3:49
